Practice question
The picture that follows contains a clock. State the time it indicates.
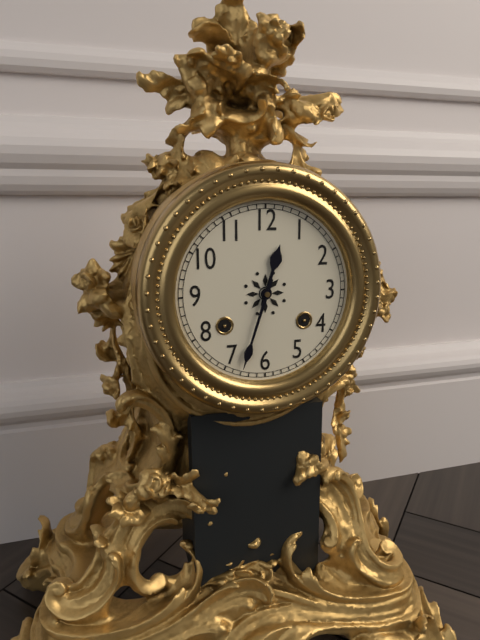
12:33
